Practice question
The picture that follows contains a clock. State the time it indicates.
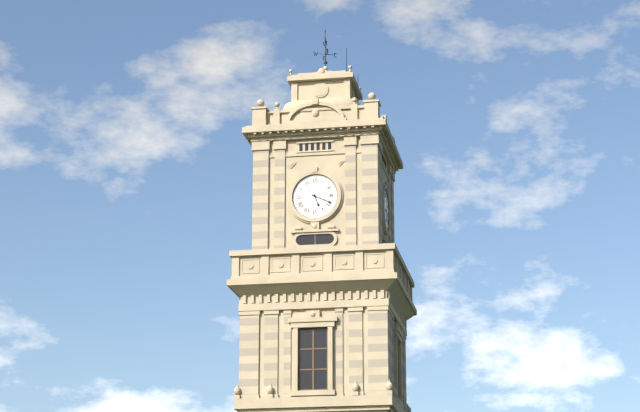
5:19
